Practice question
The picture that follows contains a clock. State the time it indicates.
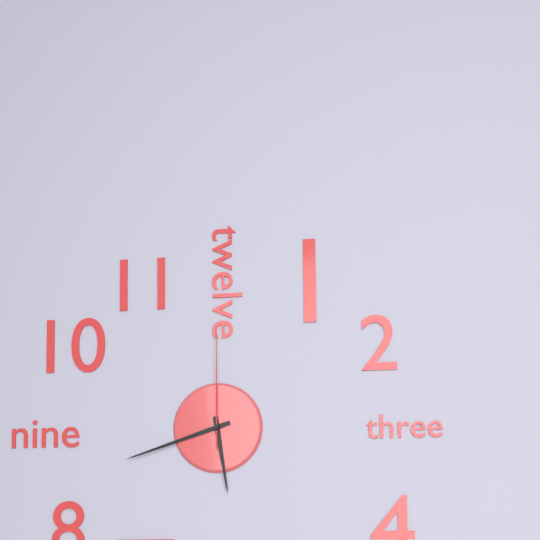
5:42:00
